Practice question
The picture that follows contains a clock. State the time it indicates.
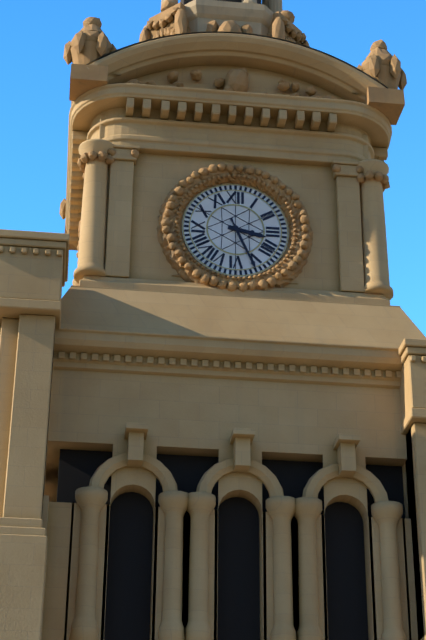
3:26
